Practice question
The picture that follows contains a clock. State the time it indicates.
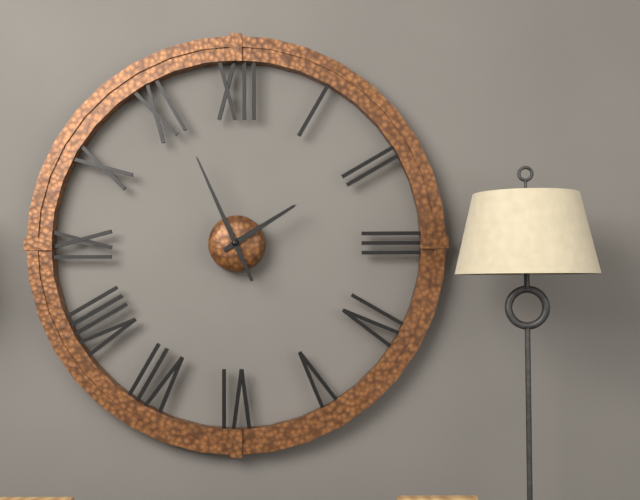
1:56
